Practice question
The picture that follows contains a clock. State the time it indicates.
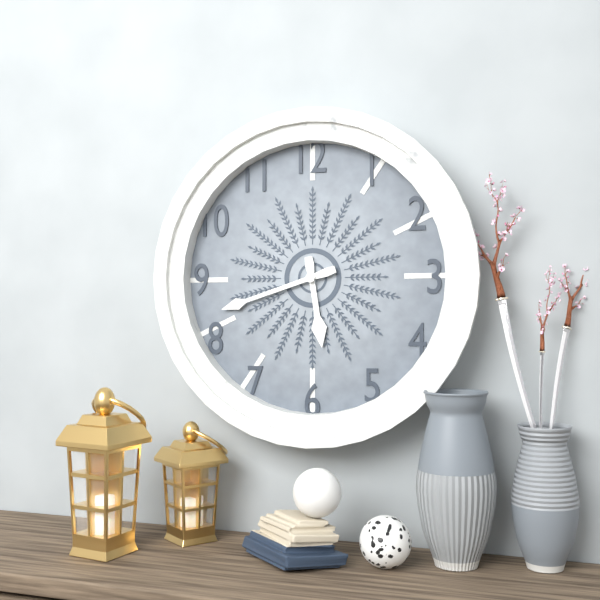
5:42
